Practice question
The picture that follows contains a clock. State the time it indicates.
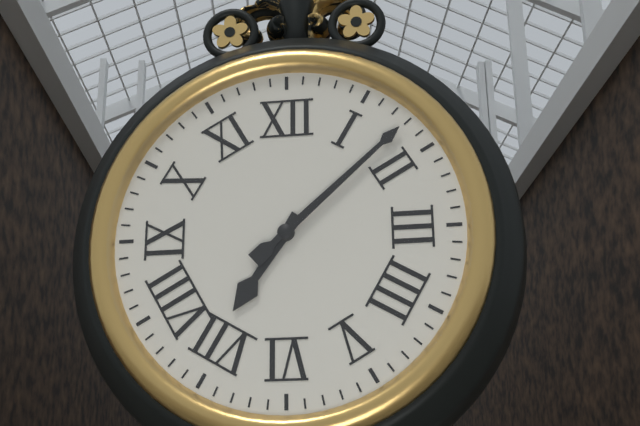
7:08
